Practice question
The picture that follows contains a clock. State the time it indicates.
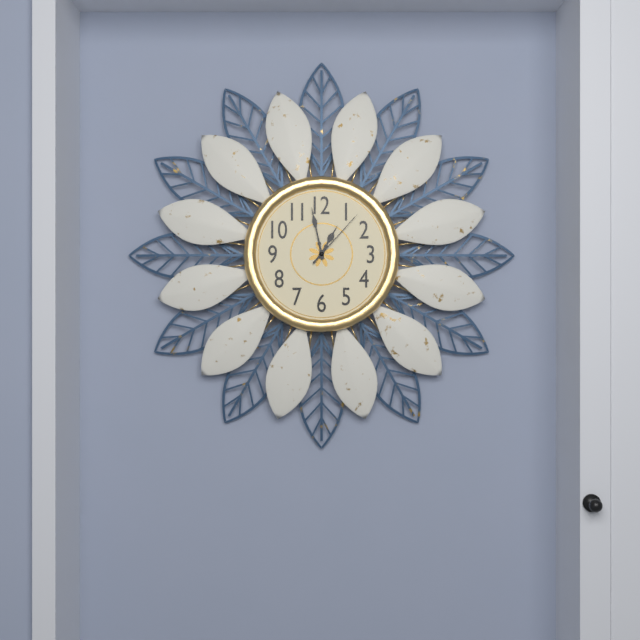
12:58:07
